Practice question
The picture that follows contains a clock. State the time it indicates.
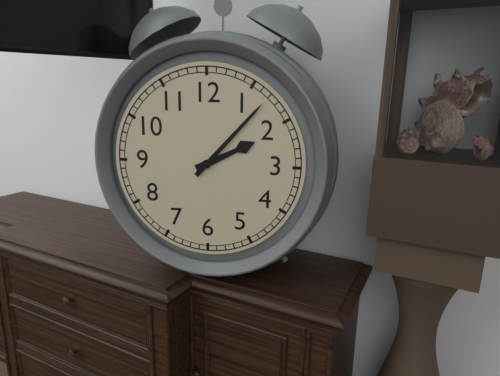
2:07
